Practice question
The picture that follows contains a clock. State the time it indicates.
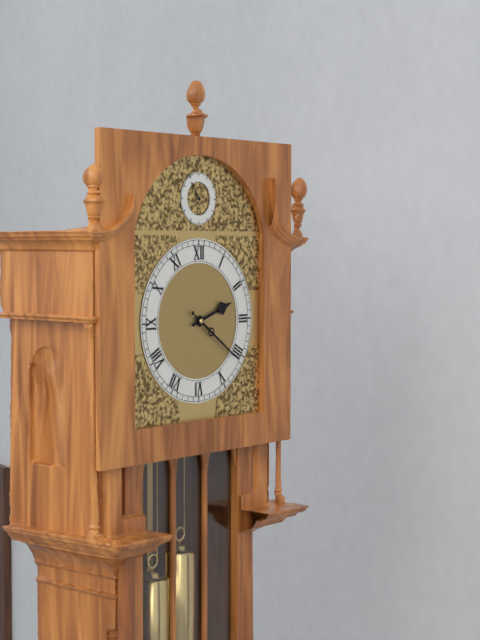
2:21
